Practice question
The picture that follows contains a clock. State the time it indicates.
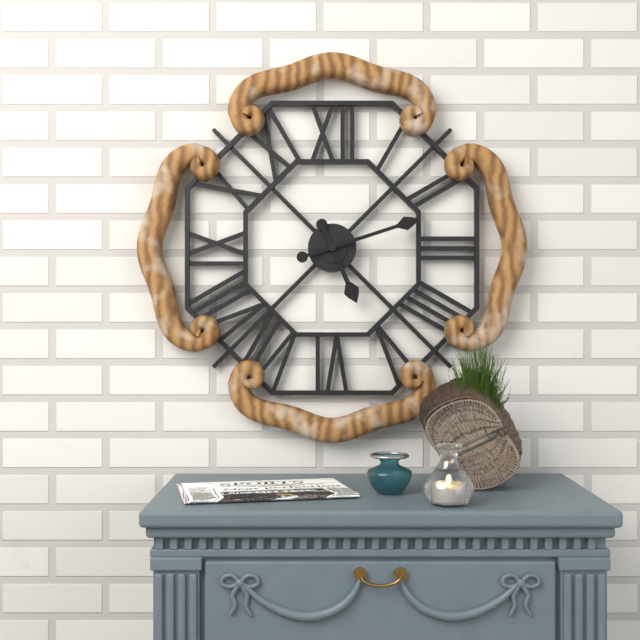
5:12
